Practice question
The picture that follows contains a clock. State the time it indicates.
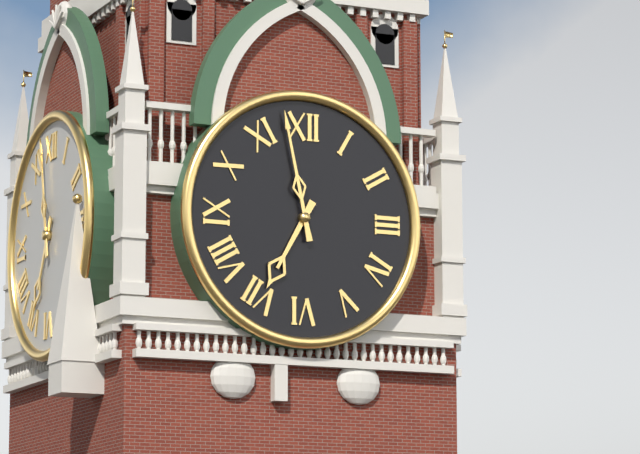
6:58
